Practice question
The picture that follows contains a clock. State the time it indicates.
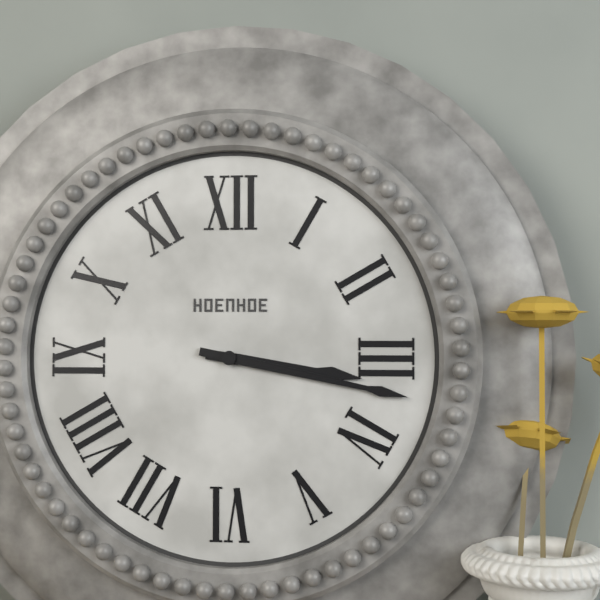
3:17
